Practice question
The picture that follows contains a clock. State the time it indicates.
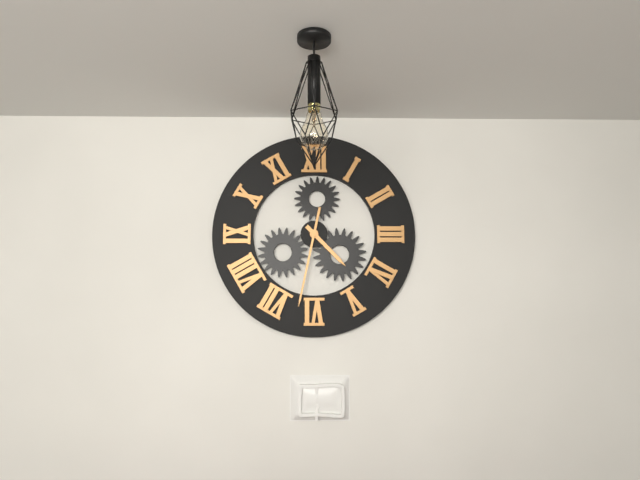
4:32
